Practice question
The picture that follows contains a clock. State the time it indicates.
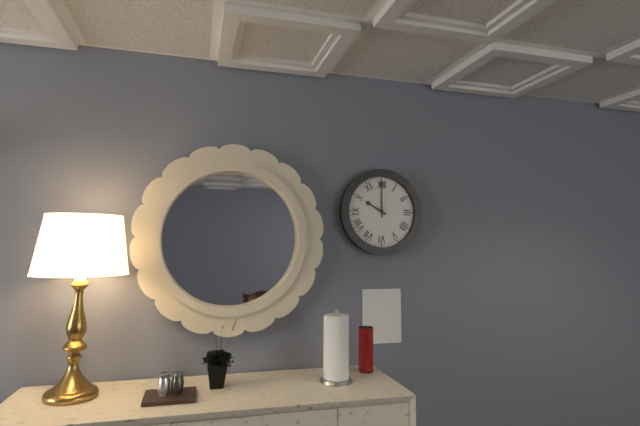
10:00
